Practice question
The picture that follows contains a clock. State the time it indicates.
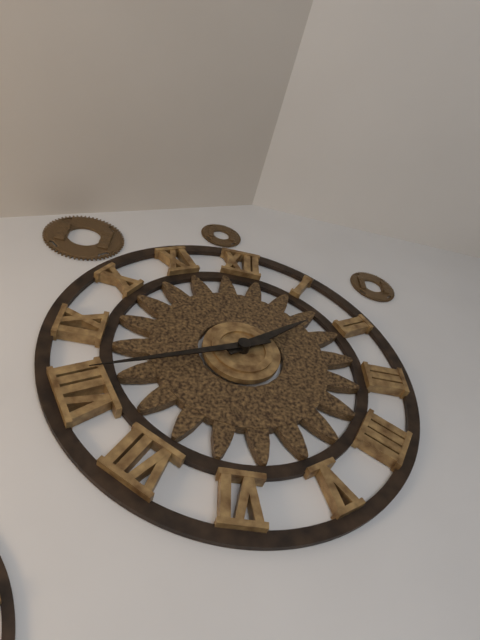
1:41
